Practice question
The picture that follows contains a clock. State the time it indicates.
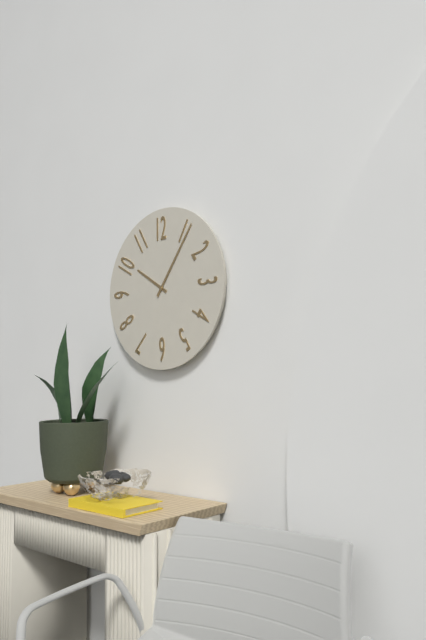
10:06
